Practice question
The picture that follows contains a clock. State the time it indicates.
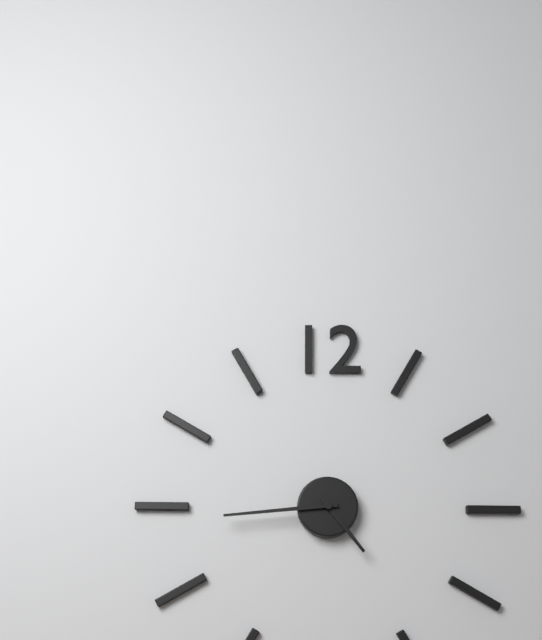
4:44
